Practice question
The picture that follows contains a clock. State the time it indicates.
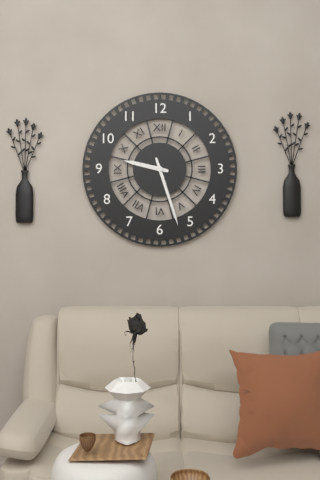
9:27
